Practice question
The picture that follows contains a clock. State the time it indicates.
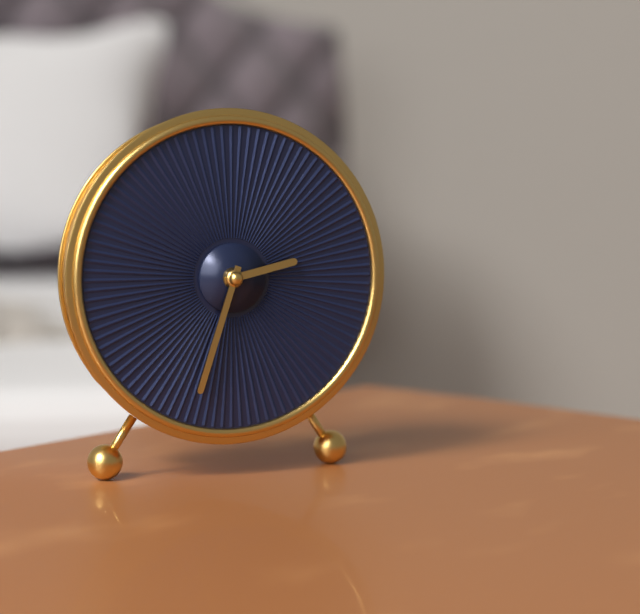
2:33
